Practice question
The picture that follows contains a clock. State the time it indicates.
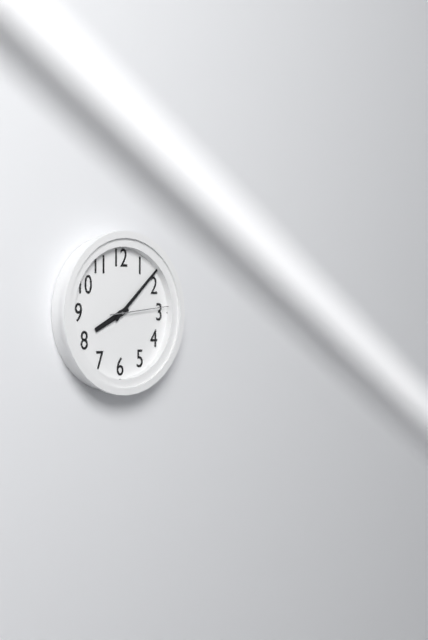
8:08:14
